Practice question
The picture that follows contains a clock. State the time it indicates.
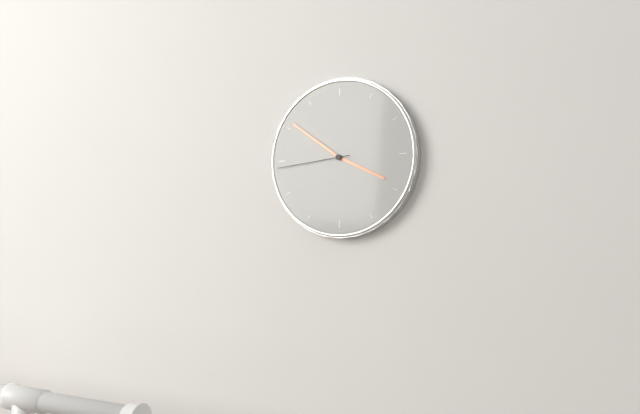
3:51:44
